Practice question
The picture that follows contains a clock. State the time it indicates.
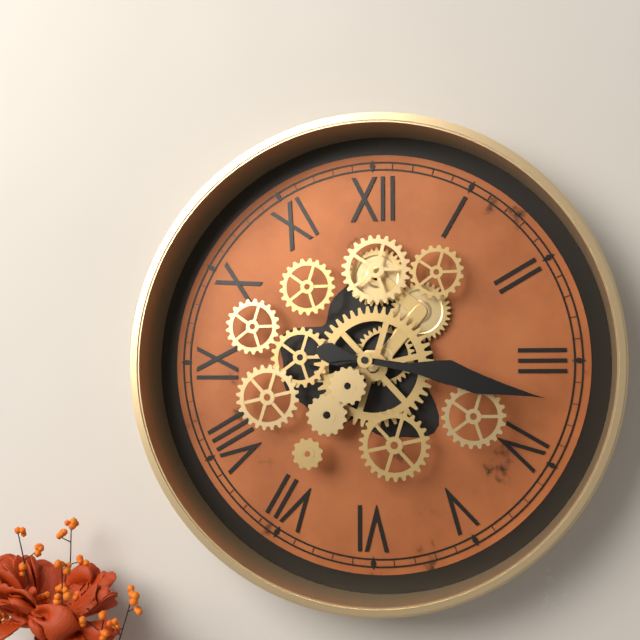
3:17
